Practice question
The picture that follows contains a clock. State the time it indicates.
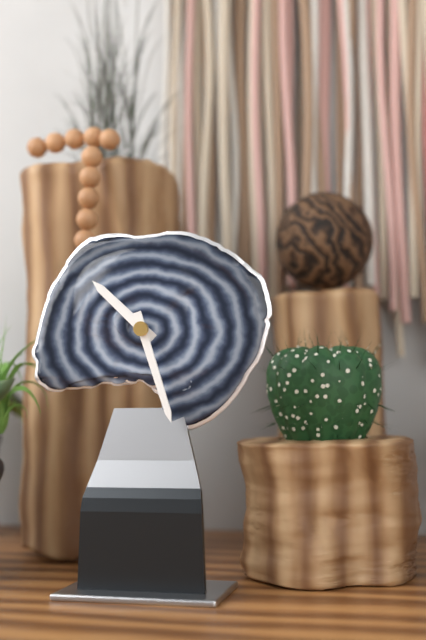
10:27
